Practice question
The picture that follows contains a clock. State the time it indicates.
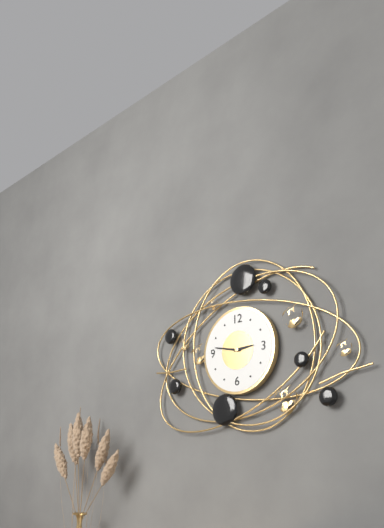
2:47
